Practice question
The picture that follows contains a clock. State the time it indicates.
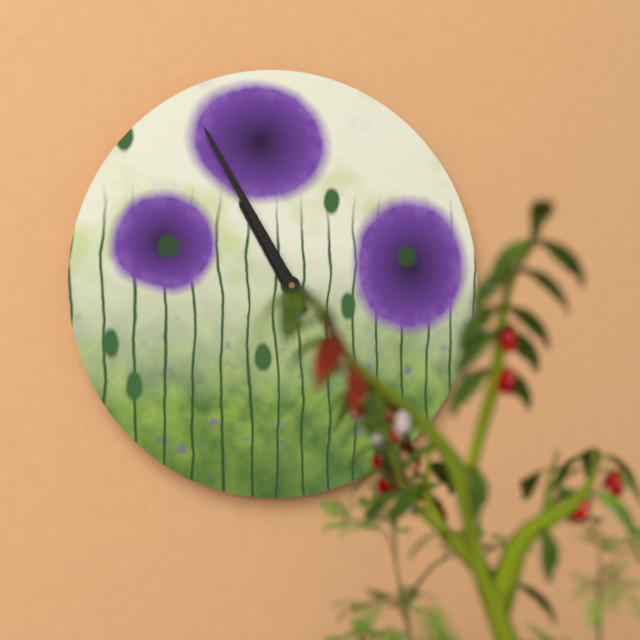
10:55
